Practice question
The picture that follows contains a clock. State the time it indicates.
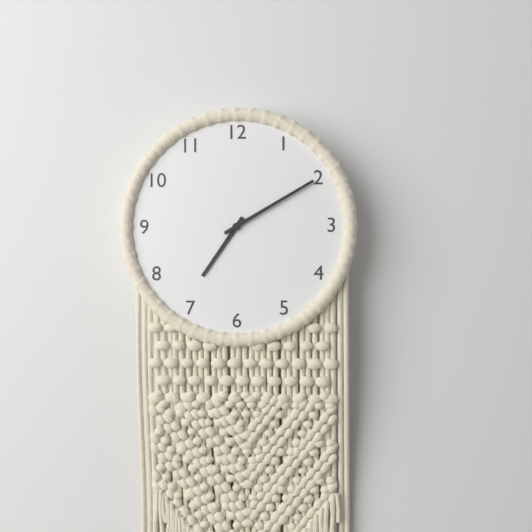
7:10
